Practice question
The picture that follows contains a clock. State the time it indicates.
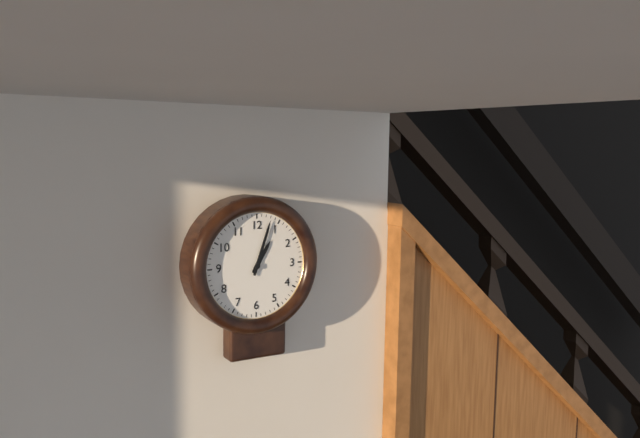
1:03
